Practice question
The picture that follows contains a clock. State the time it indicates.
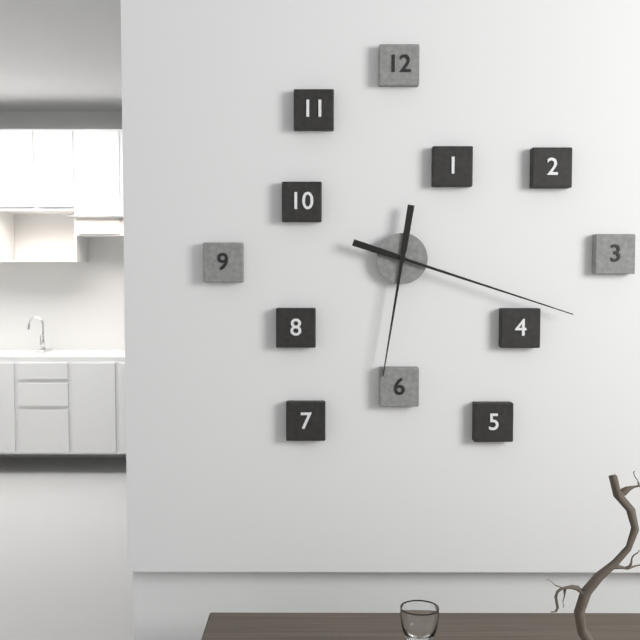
6:18
